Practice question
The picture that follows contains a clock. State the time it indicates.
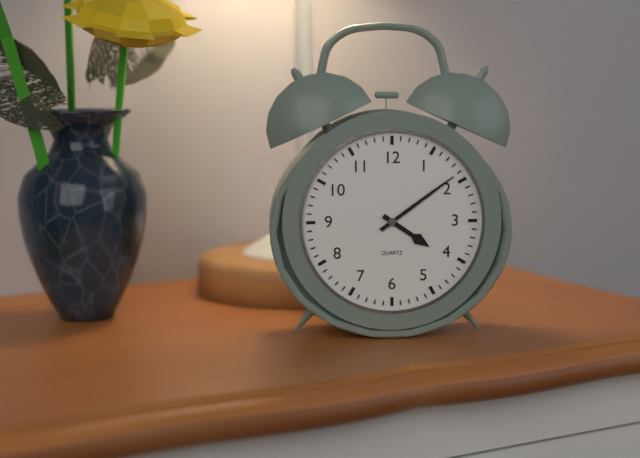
4:09
